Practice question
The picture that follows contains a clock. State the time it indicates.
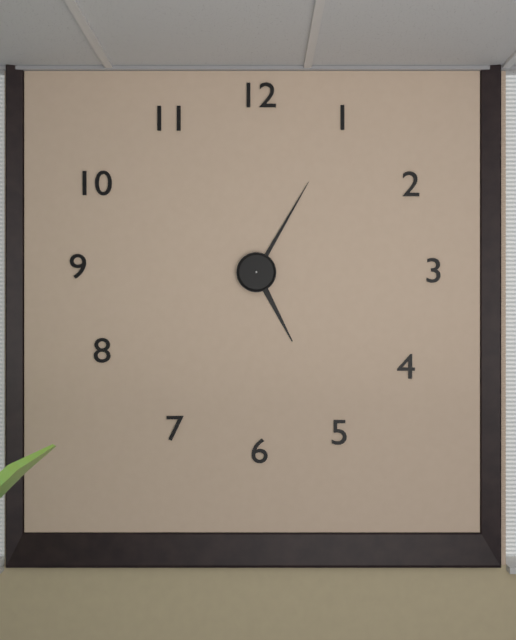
5:05
